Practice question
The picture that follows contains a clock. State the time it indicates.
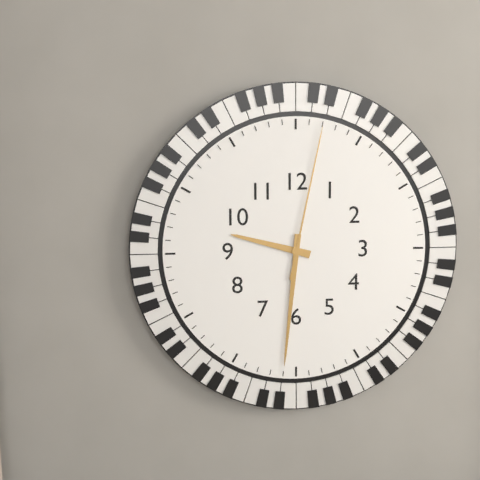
9:31:02
